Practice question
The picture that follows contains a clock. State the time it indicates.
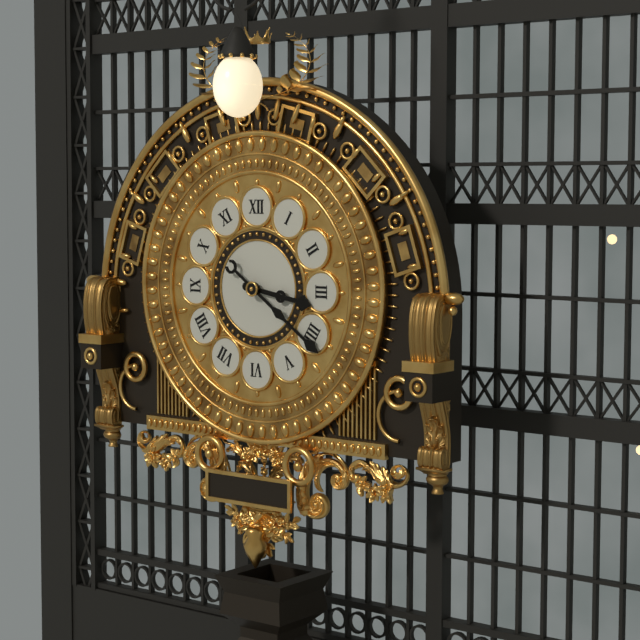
3:21
